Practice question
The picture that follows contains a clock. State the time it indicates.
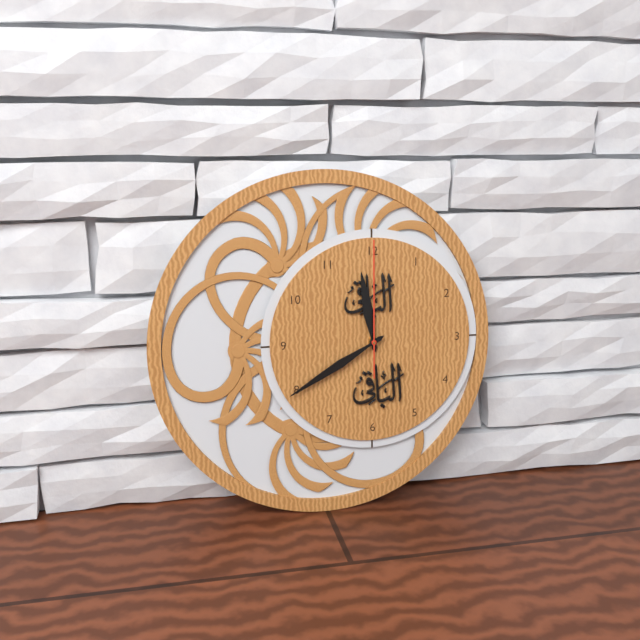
11:40:00
